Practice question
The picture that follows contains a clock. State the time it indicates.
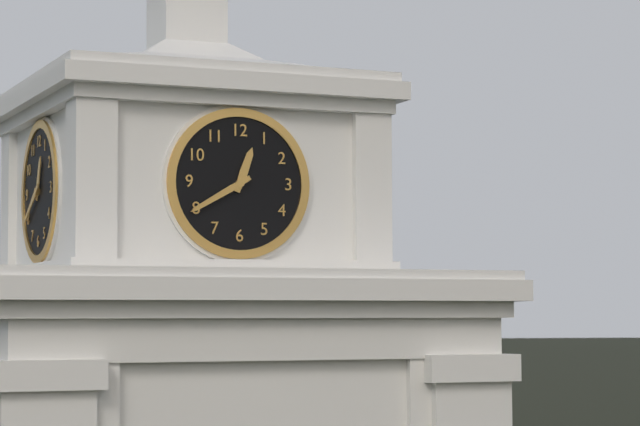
12:40
